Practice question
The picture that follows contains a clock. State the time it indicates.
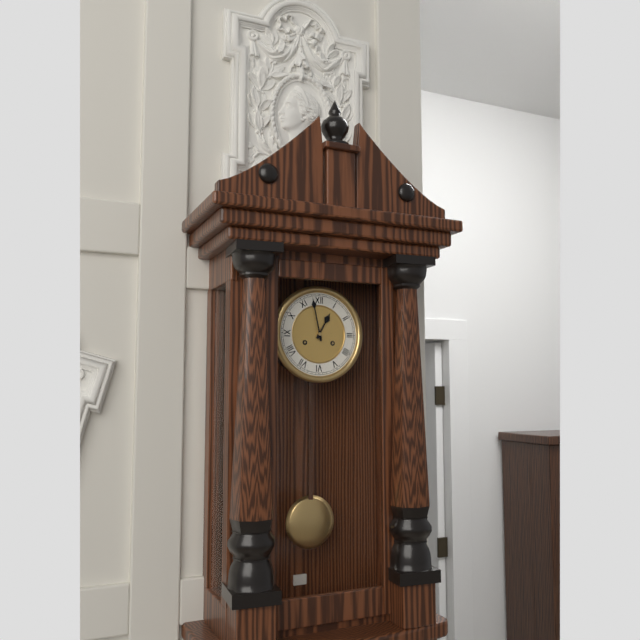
12:58
